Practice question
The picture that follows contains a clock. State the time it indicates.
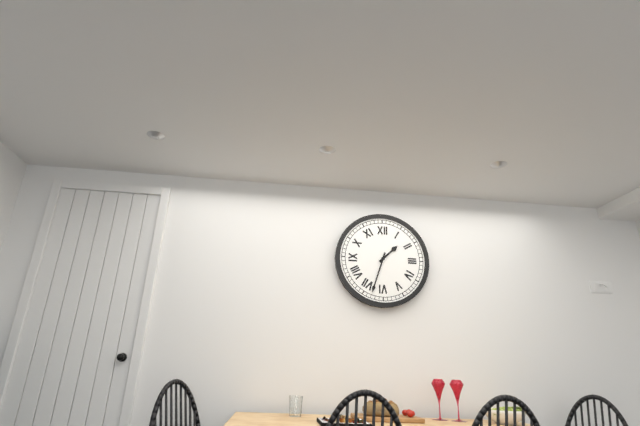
1:33
